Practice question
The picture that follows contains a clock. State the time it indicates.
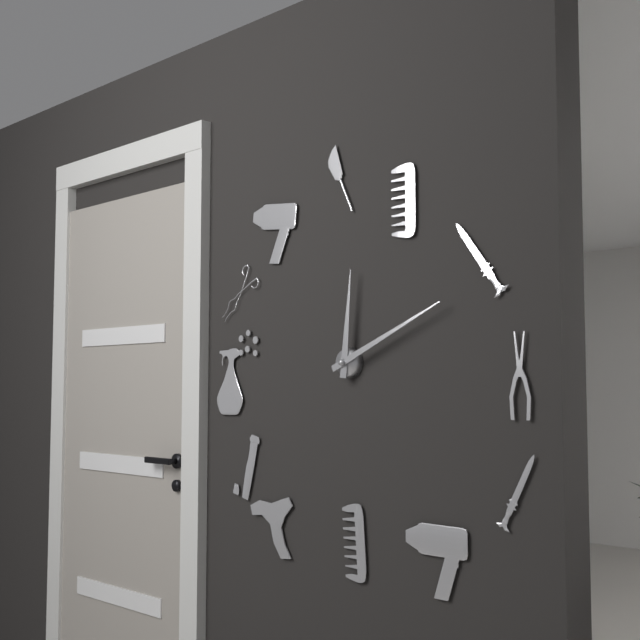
12:11
